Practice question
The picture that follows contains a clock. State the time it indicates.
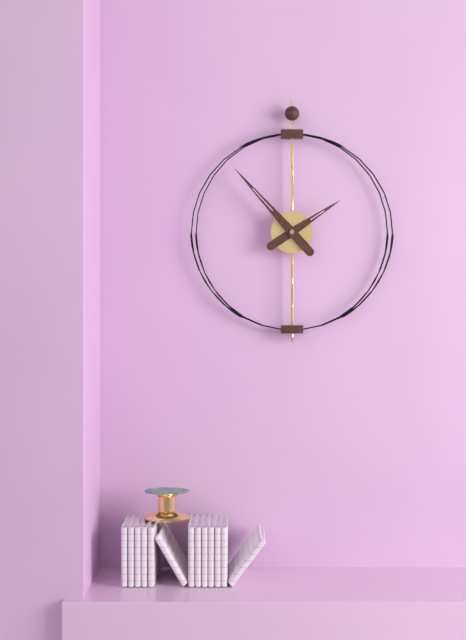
1:53
